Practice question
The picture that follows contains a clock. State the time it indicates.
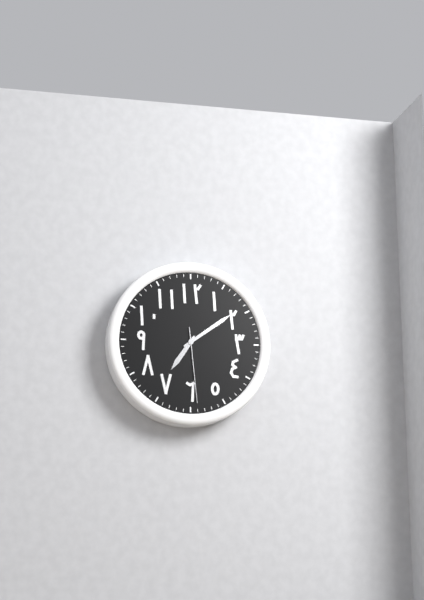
7:09:29
